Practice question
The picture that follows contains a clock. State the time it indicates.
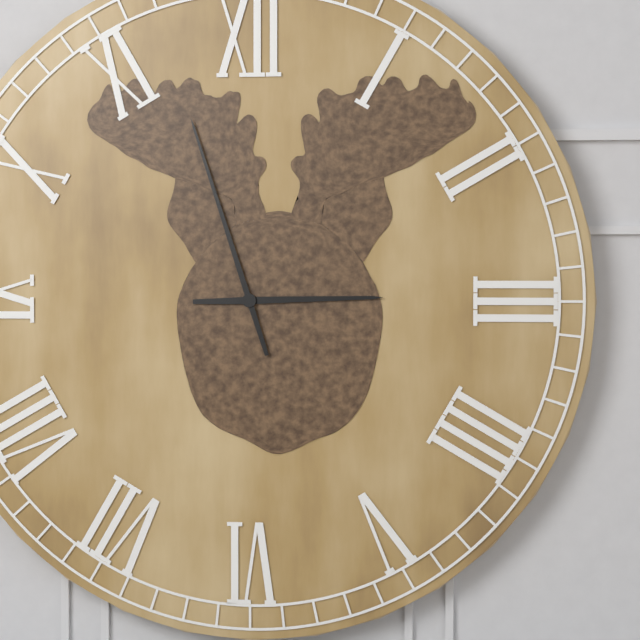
2:57
